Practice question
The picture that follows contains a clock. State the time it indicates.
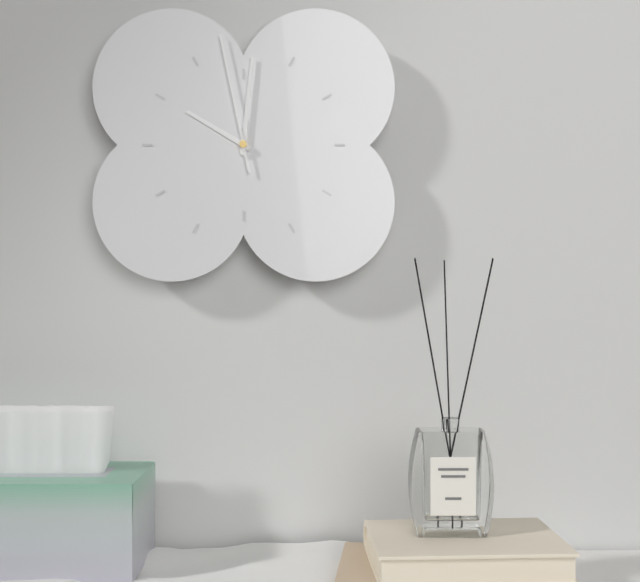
10:01:58
